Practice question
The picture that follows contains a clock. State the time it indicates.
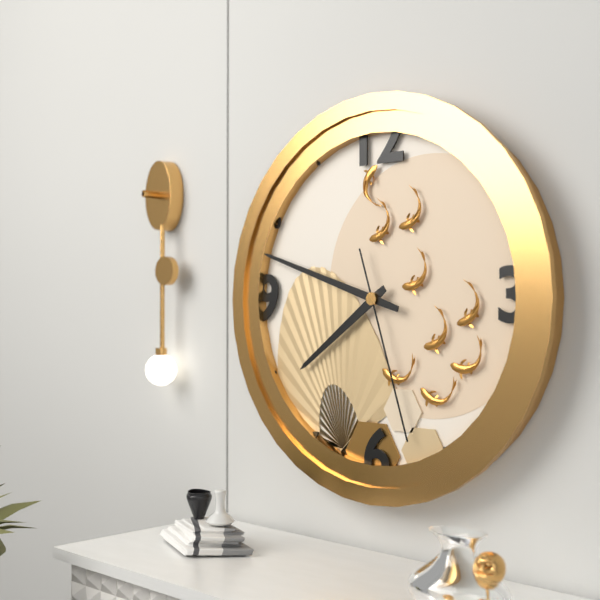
7:48:27
